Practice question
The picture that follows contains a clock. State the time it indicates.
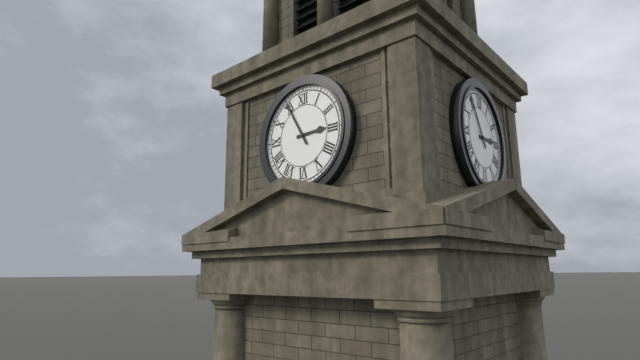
2:55
